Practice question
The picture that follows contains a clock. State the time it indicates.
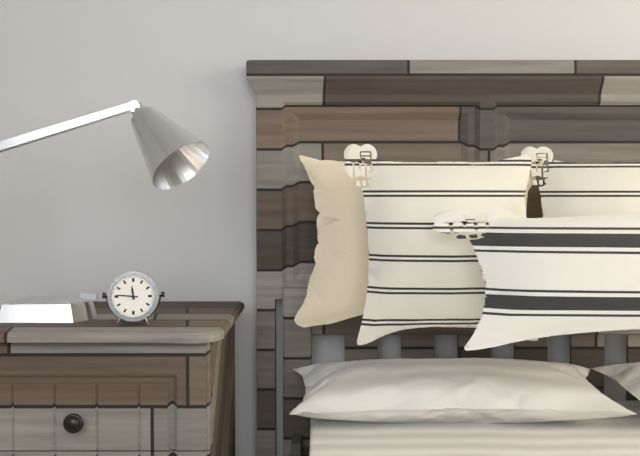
11:46
